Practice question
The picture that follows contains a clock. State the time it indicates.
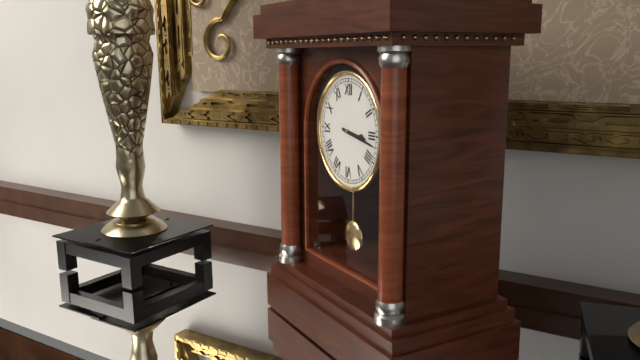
3:17
